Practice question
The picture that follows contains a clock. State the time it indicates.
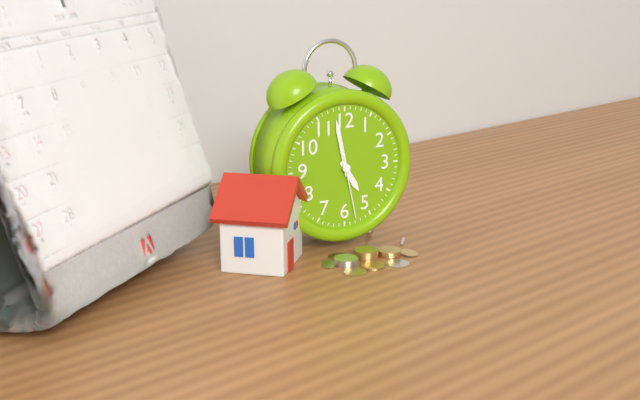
4:58:28
